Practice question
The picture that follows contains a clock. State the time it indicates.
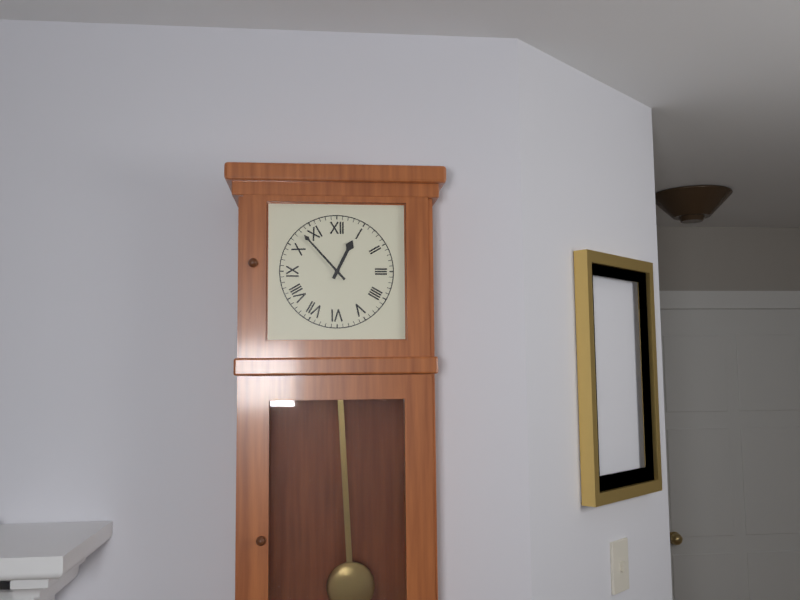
12:53
